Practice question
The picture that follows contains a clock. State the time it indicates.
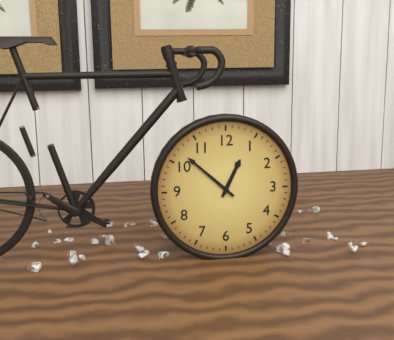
12:52
